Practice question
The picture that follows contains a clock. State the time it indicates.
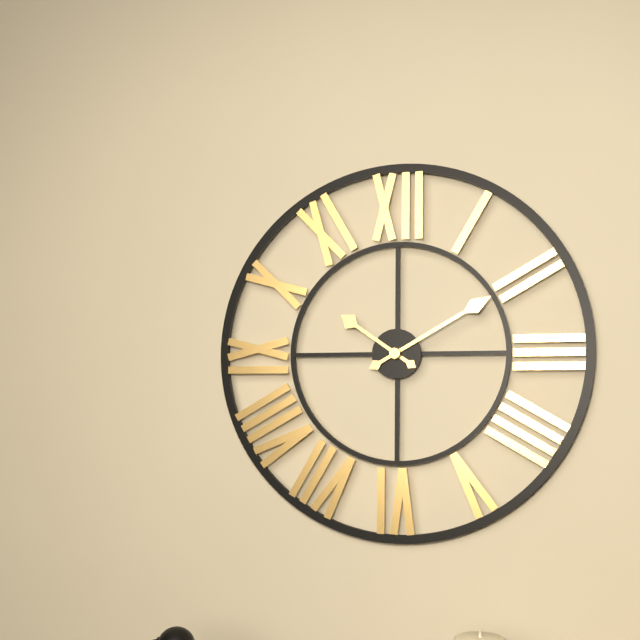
10:10
